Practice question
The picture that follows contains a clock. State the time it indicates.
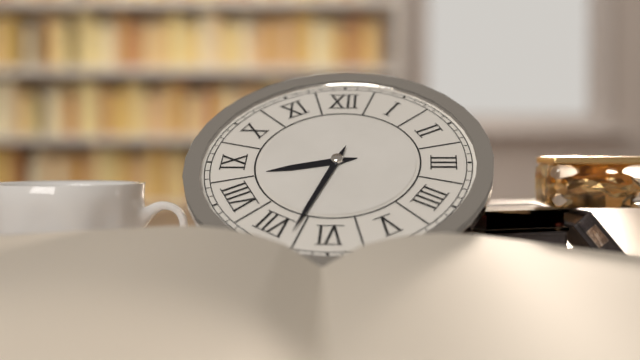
8:33
